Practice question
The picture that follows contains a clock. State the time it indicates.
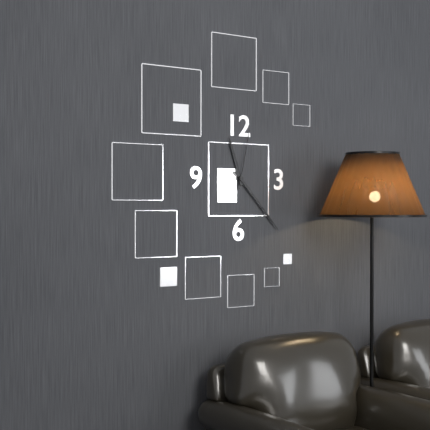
11:23:02
